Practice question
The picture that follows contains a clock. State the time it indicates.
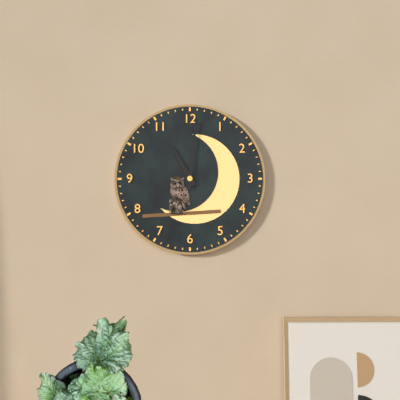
11:01
